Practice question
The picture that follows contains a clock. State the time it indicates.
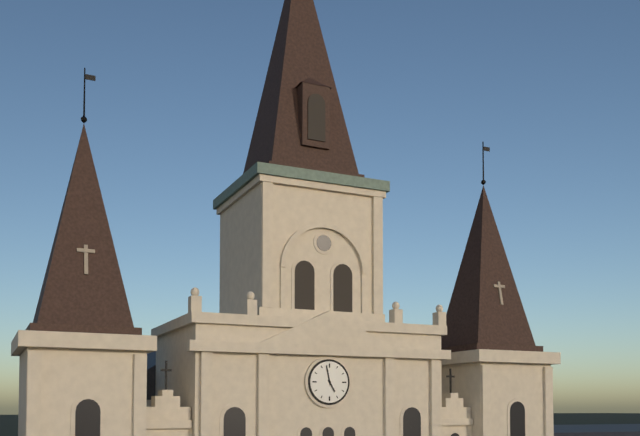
4:58
